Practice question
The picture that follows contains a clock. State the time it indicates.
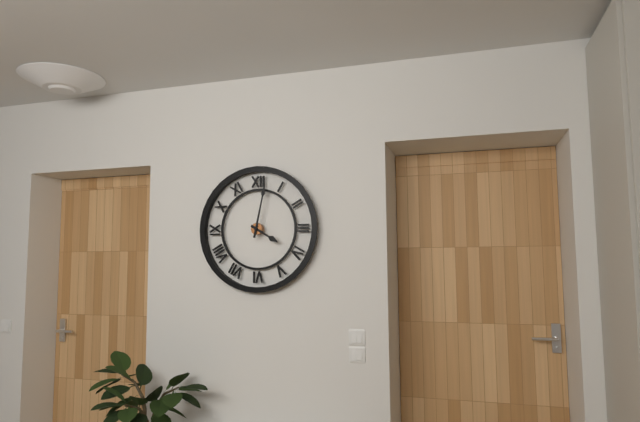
4:02
